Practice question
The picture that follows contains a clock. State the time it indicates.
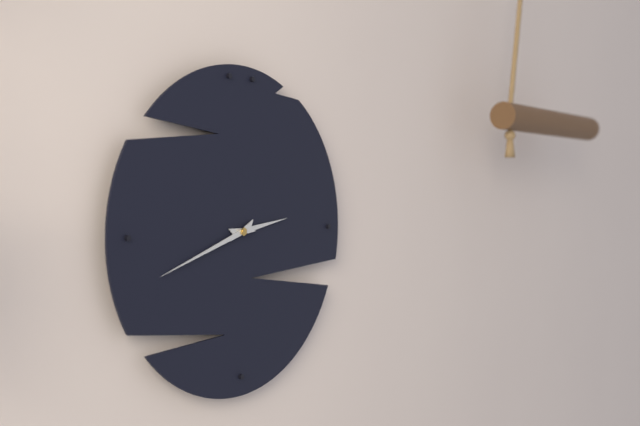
2:42
